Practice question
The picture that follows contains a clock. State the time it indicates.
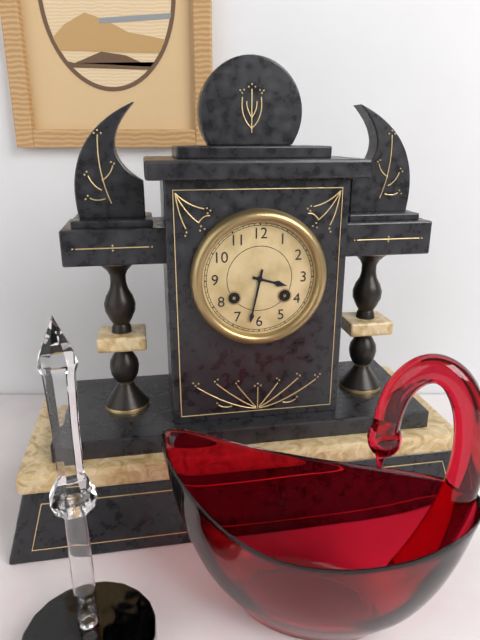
3:32
